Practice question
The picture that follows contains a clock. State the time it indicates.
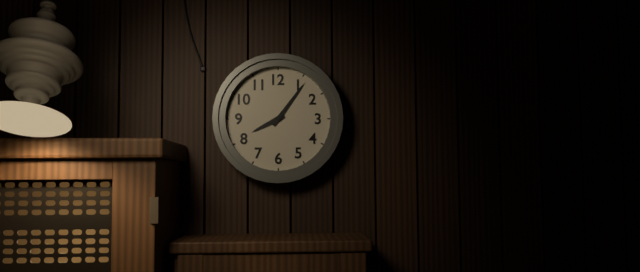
8:06
